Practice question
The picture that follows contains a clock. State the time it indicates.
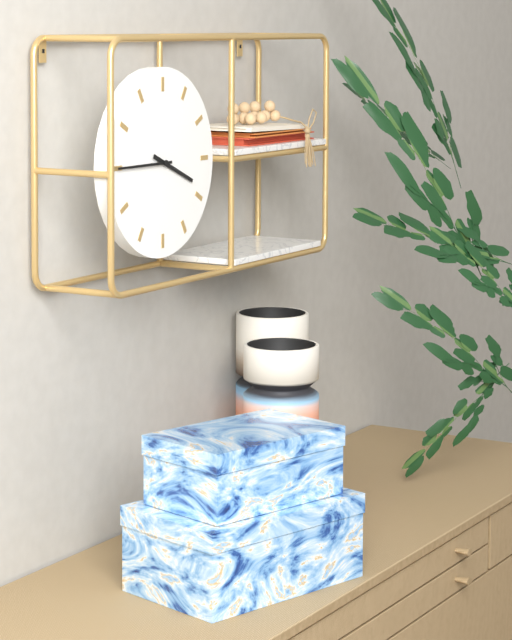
3:45
